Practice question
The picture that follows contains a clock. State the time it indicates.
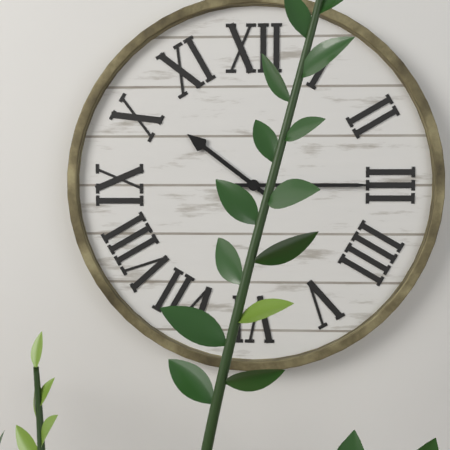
10:15
